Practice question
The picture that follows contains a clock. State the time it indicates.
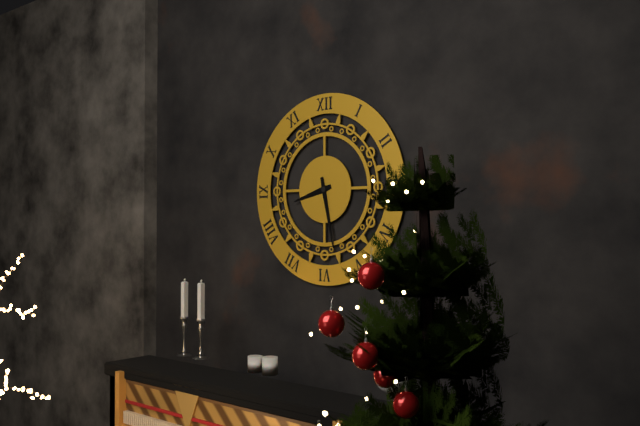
8:28
